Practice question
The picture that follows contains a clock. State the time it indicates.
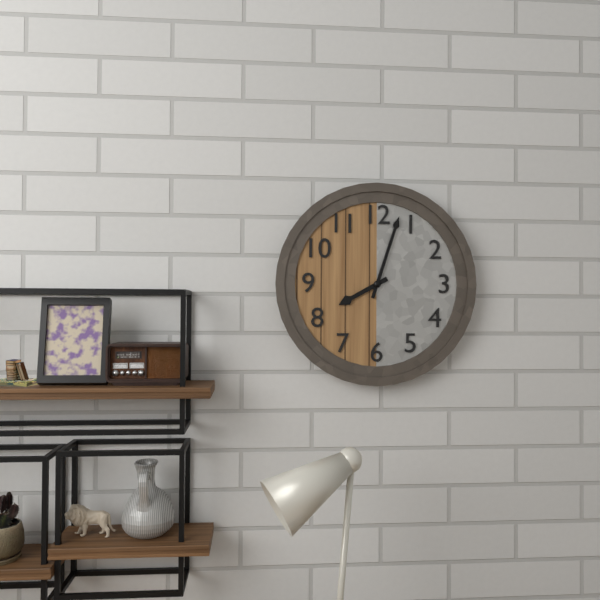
8:03
